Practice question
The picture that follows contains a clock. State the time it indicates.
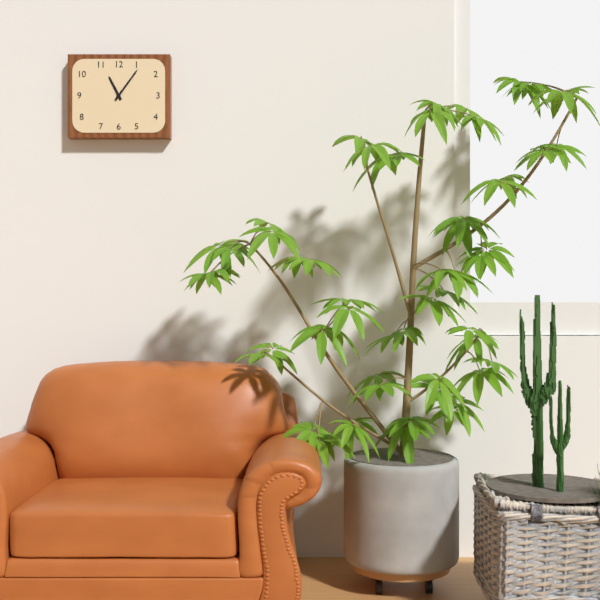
11:06
